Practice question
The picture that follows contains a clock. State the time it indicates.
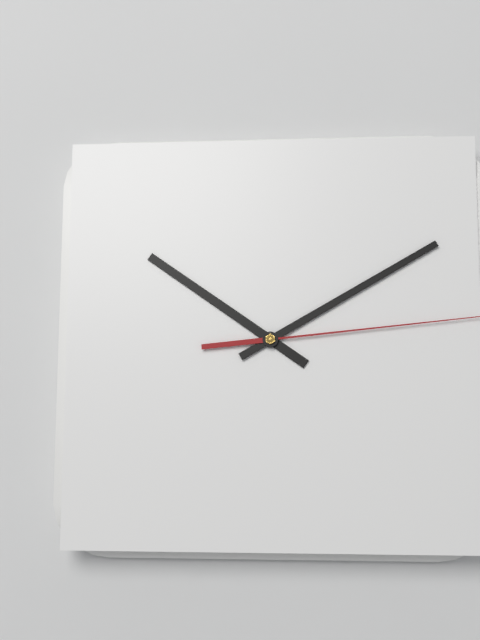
10:10
